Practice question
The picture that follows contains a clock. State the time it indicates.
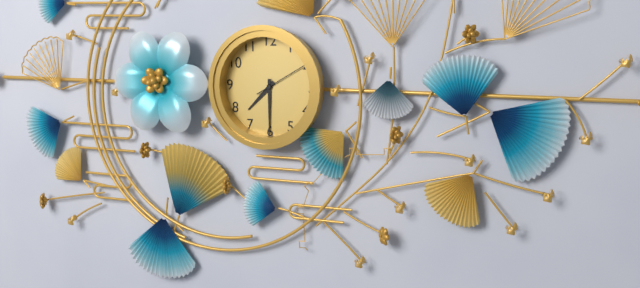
7:30:10
